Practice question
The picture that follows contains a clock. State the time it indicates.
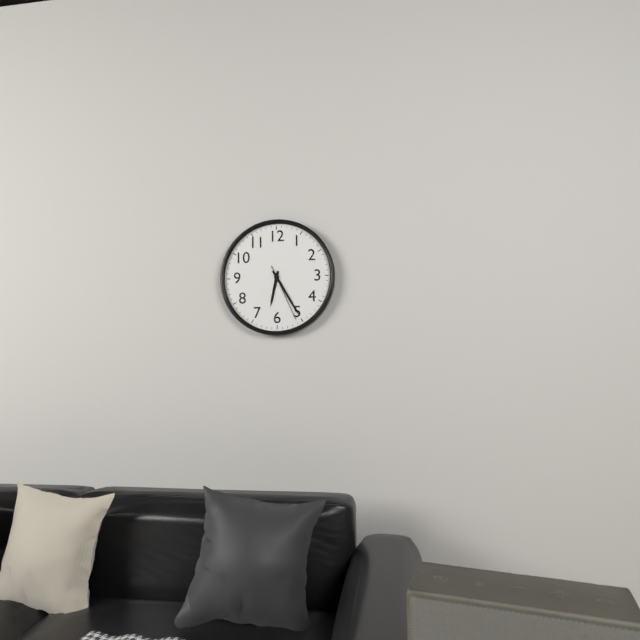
6:25:26
